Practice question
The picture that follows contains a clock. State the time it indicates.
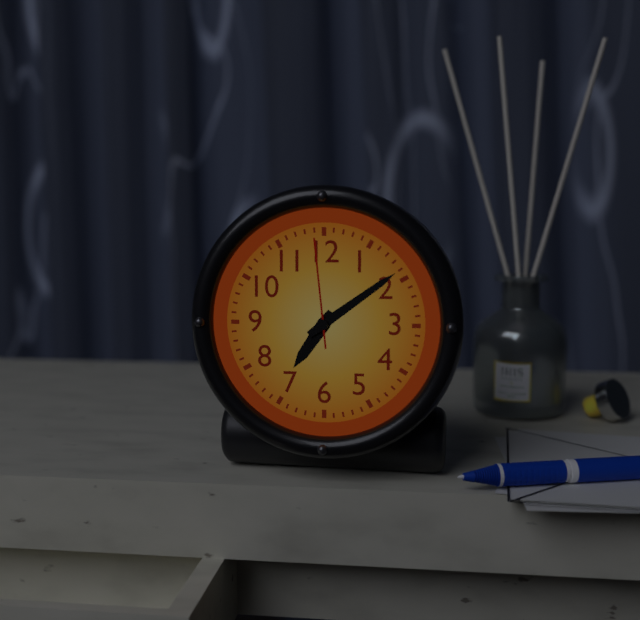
7:09:59
